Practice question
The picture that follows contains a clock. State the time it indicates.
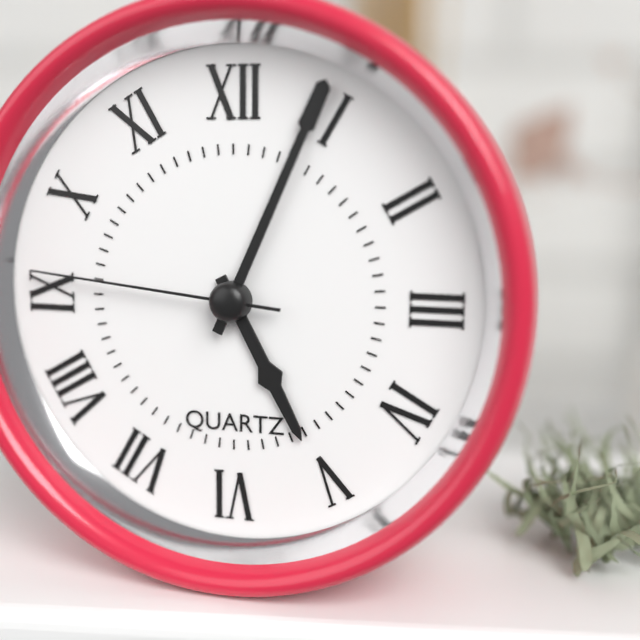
5:04:46
